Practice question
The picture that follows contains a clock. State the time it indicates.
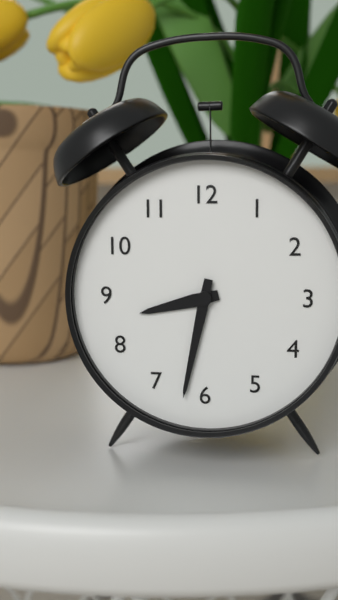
8:32
